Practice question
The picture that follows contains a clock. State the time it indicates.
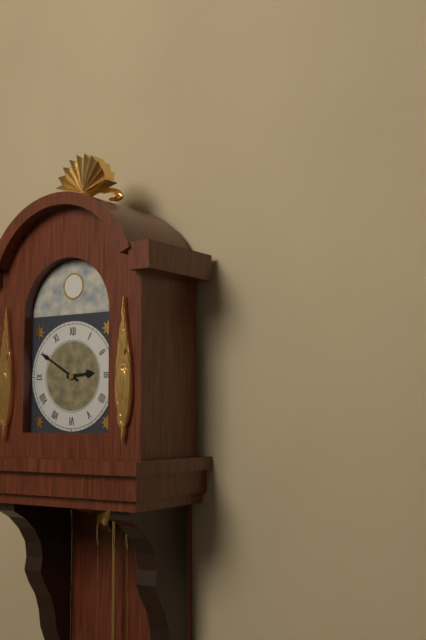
2:50
